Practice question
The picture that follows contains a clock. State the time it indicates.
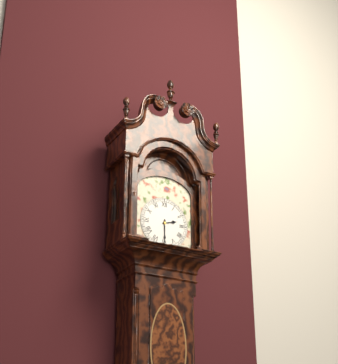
2:30
